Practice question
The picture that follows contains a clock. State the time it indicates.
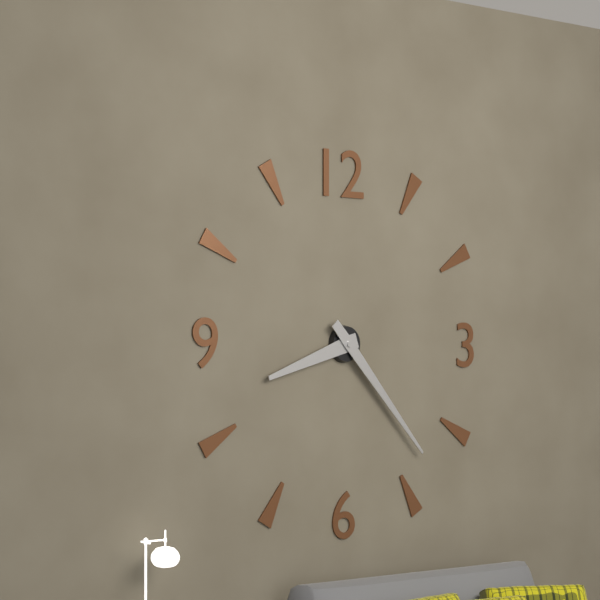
8:23
